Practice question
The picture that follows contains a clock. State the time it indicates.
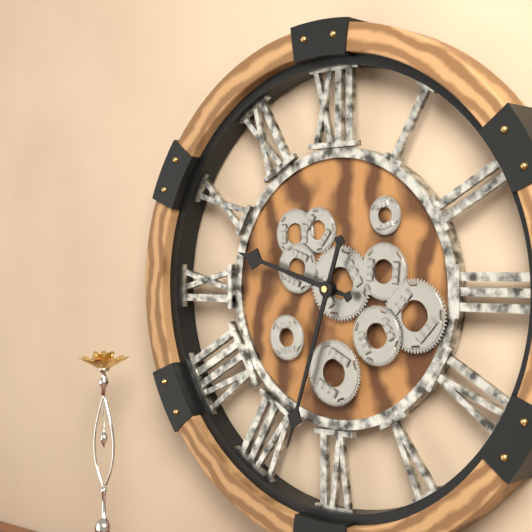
9:33
